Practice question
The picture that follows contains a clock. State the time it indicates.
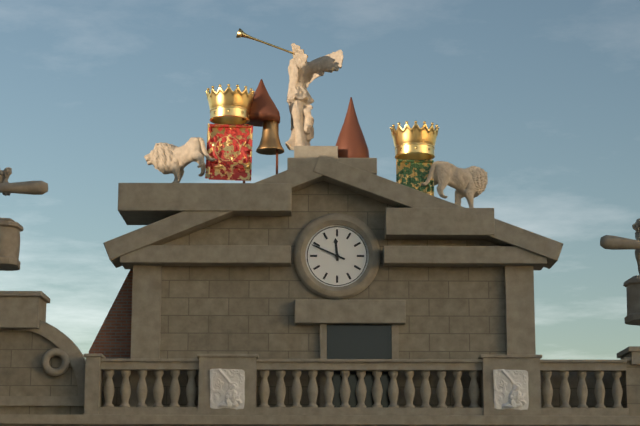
11:49
